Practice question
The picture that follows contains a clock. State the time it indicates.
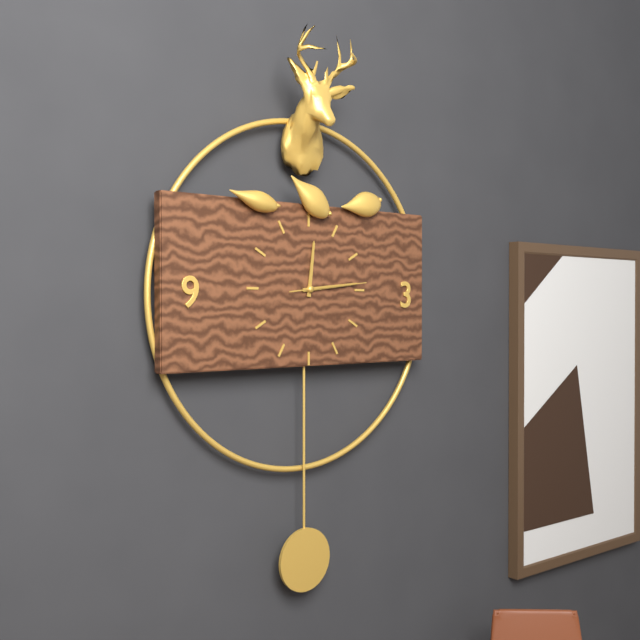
12:14:14
